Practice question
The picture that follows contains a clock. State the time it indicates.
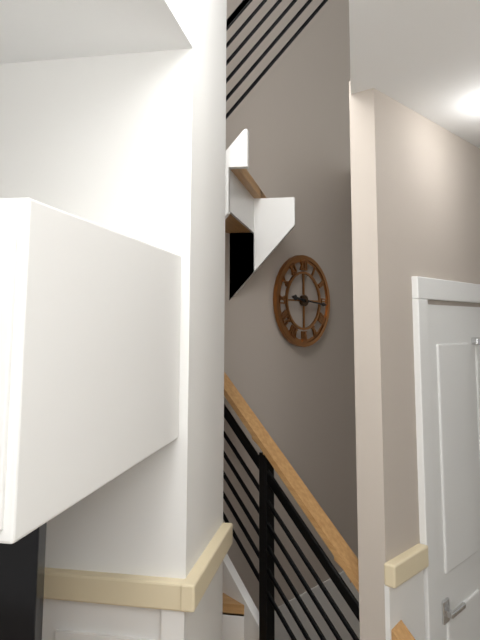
9:16
